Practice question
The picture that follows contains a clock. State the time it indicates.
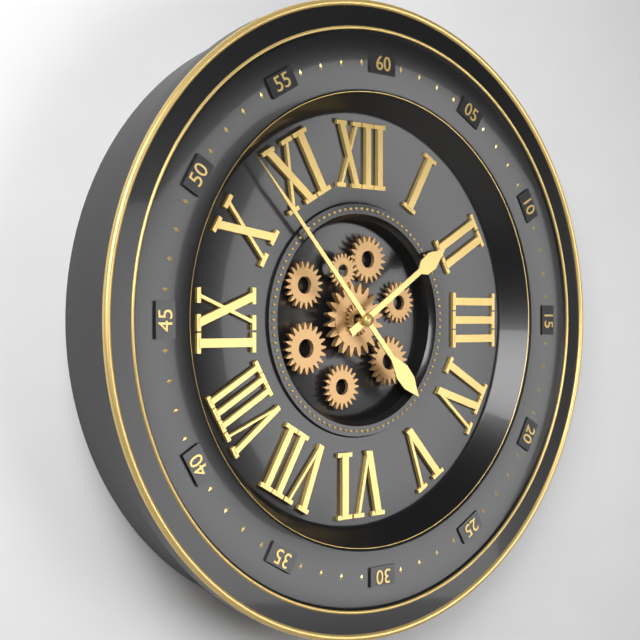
1:53
